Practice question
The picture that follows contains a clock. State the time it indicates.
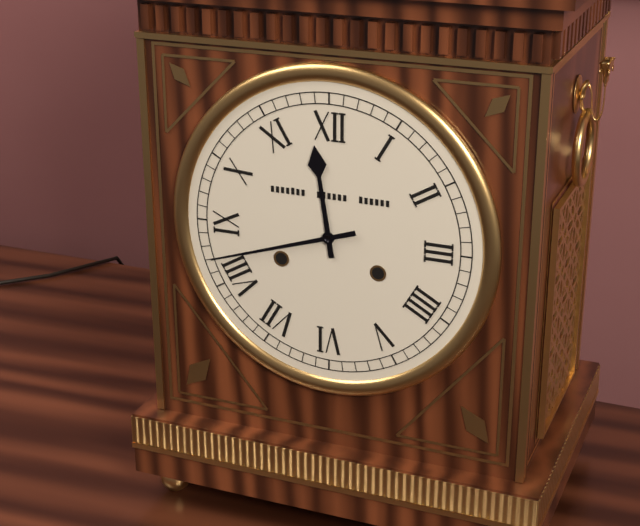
11:42
